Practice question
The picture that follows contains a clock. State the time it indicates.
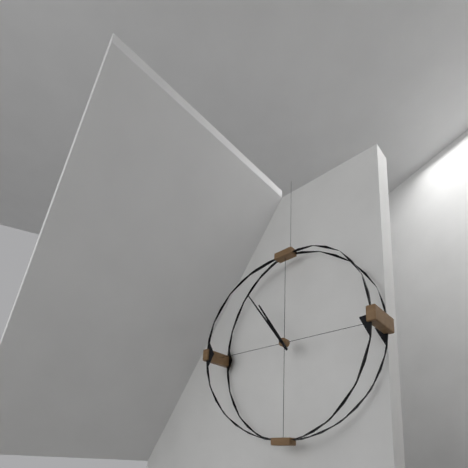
10:54
